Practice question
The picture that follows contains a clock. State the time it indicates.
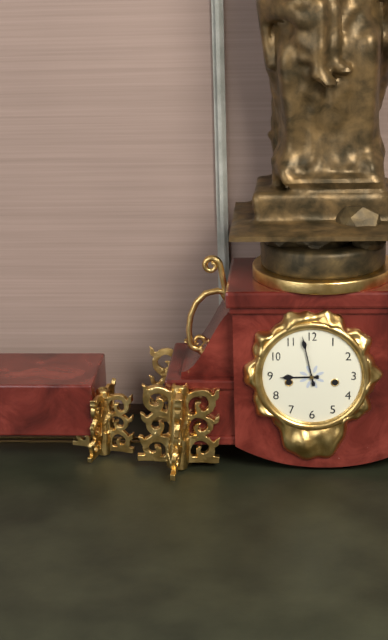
8:58
